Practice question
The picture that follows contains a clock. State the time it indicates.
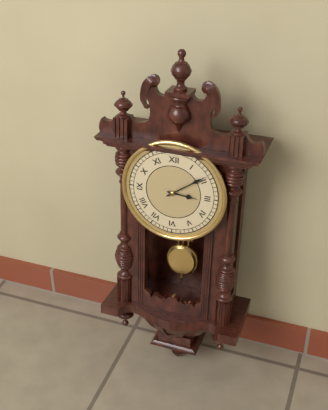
3:09
